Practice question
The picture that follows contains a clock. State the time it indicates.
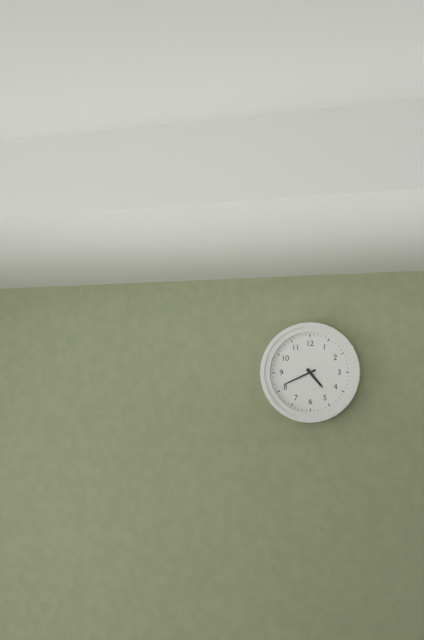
4:41
